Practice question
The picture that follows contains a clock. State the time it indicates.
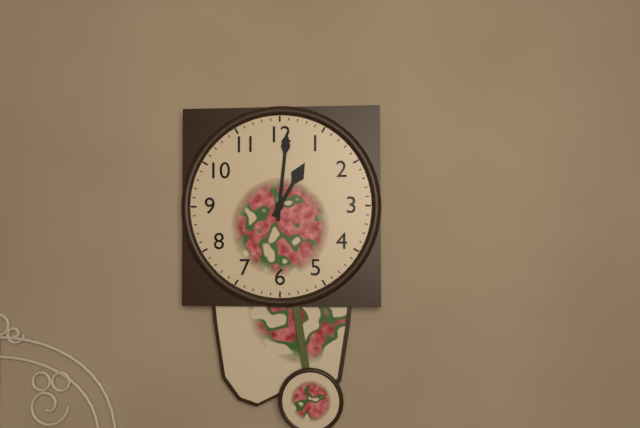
1:01
